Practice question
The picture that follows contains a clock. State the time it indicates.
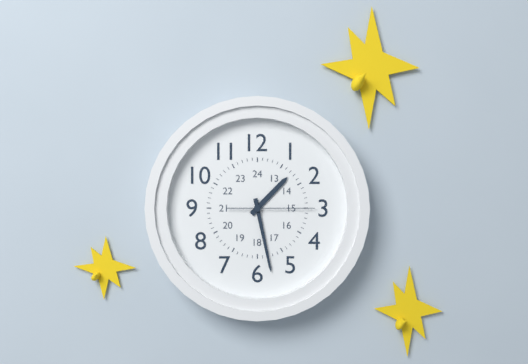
1:28:15
